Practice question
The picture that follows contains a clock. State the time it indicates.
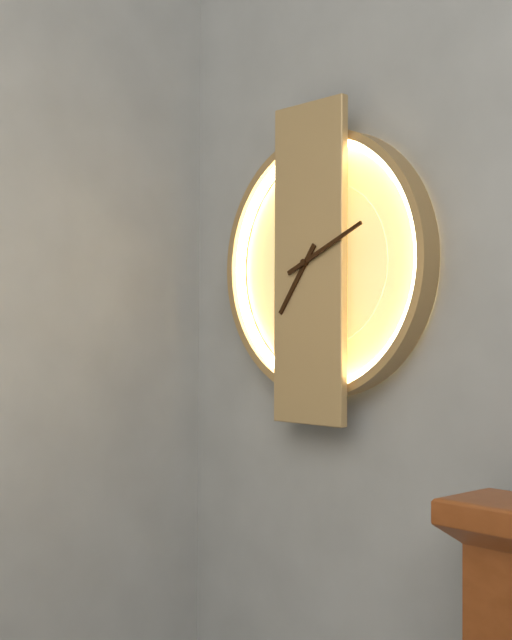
7:11
